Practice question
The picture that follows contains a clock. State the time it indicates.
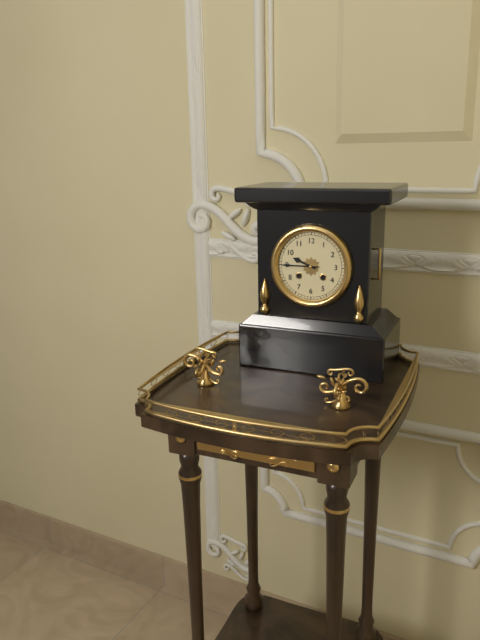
9:45
